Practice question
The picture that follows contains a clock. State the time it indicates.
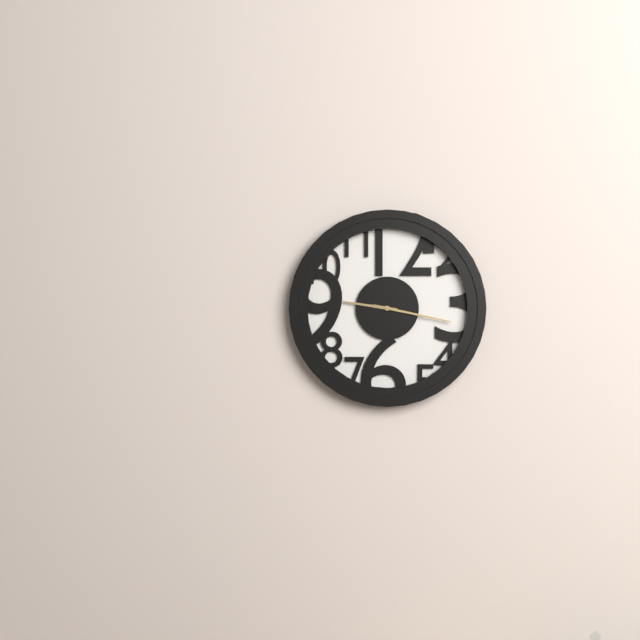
9:17
